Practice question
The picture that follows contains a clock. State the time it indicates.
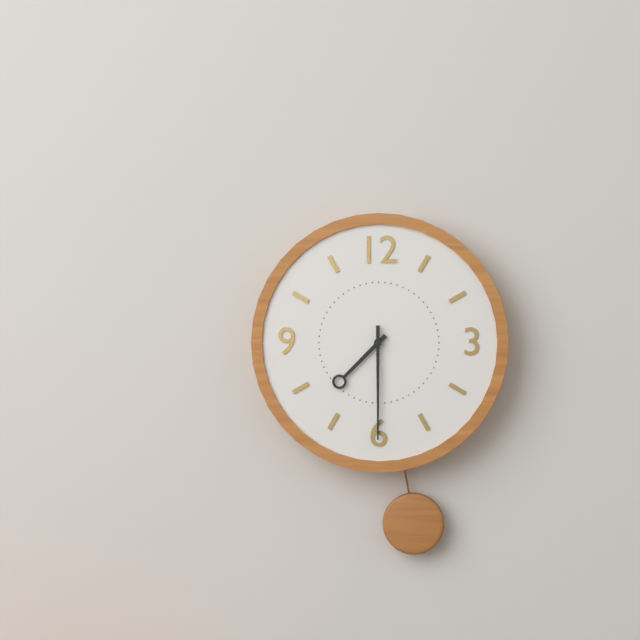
7:30
